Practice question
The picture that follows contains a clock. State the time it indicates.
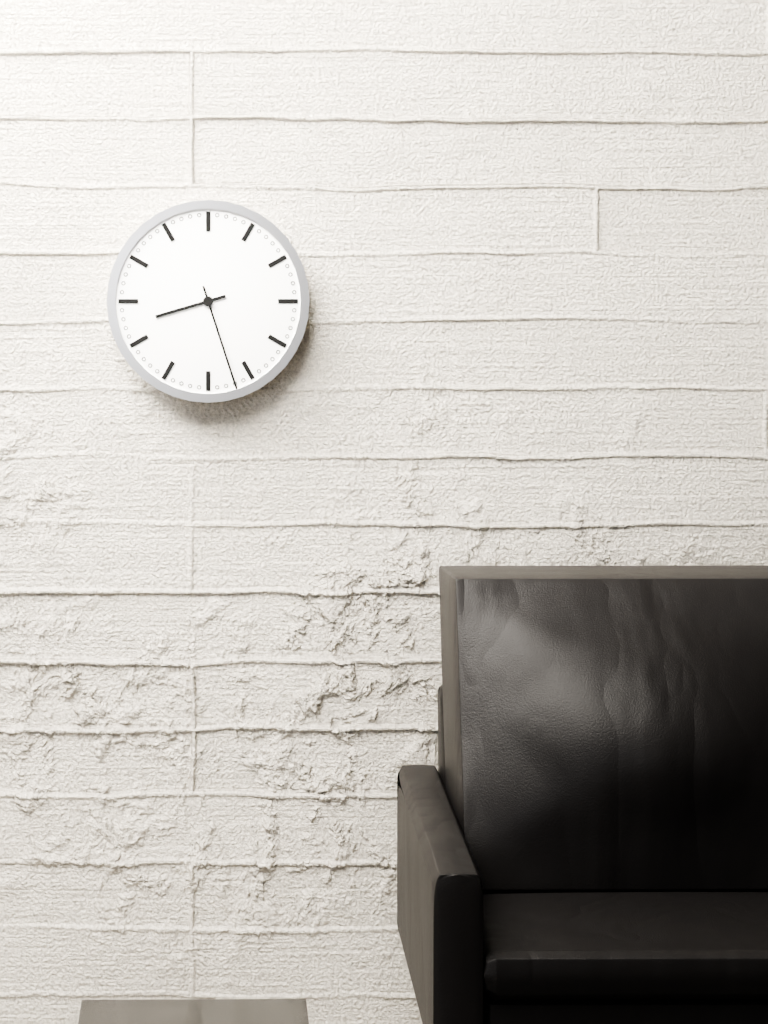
8:27
